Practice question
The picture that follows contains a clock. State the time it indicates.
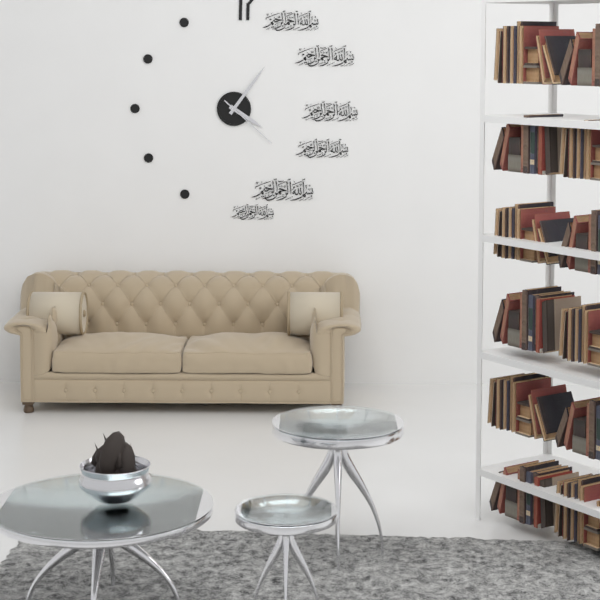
4:06:22
